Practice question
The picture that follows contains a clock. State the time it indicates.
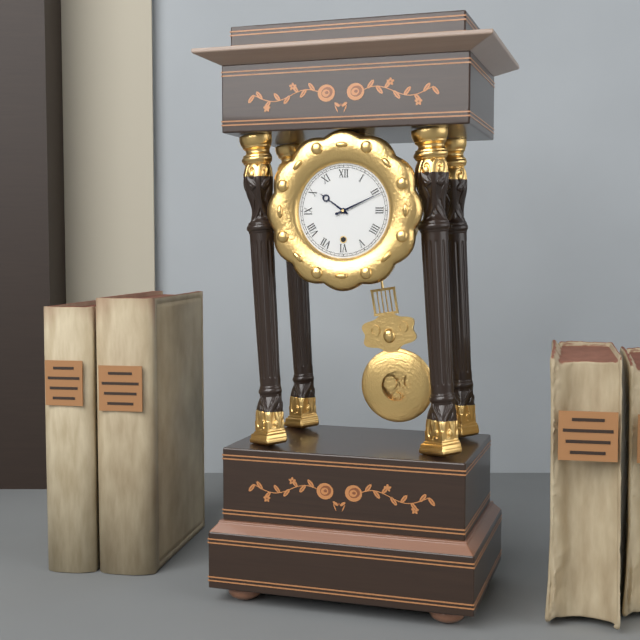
10:11
